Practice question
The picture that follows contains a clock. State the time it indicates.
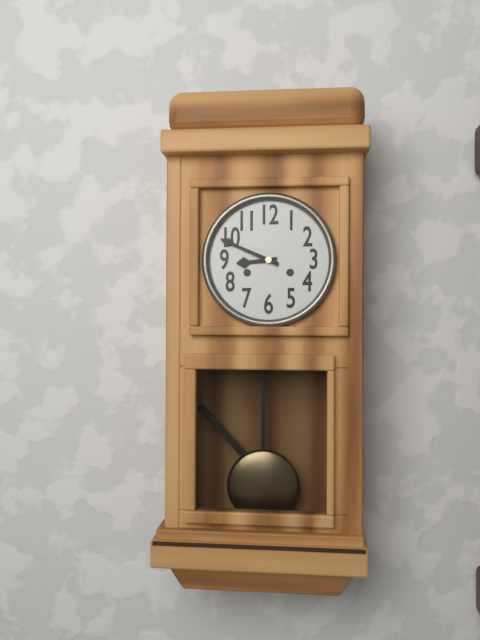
8:49
